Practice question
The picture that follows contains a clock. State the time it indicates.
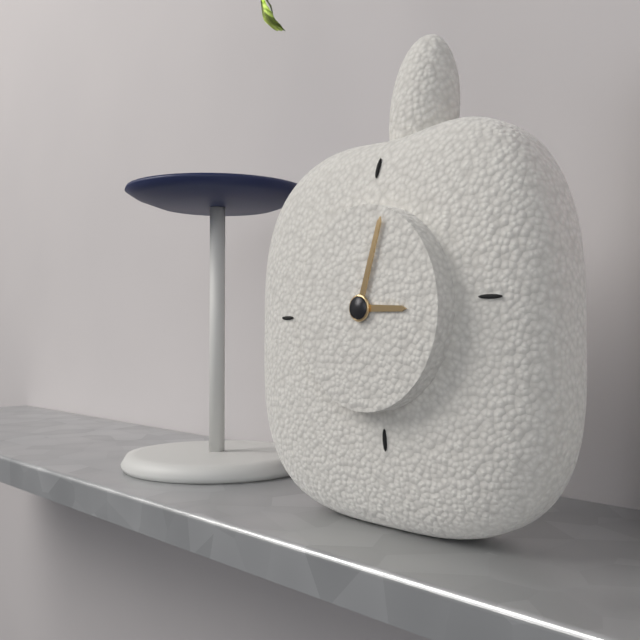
3:03
